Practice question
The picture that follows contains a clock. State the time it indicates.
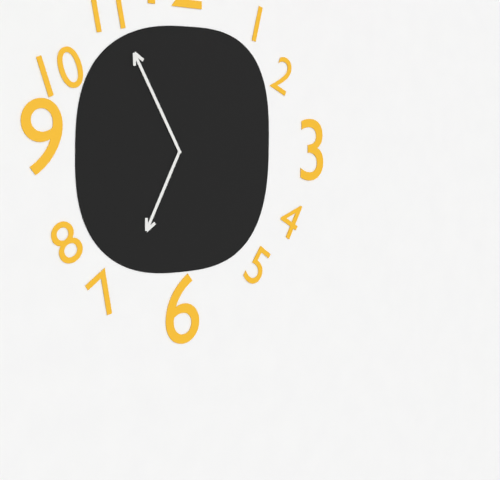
6:55
